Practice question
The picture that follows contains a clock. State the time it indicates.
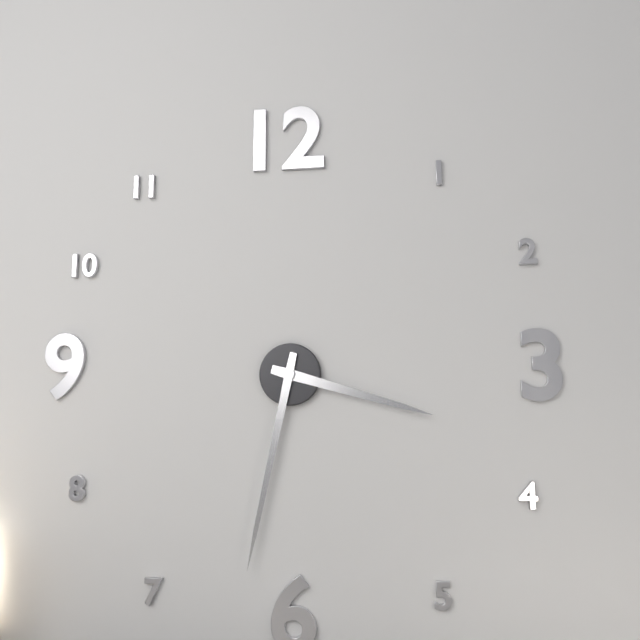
3:32
